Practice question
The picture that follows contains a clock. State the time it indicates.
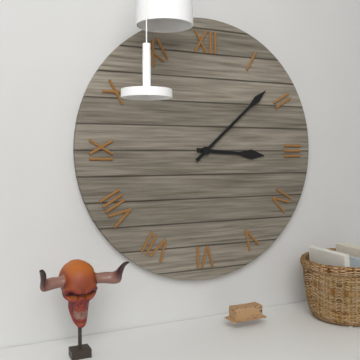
3:08
